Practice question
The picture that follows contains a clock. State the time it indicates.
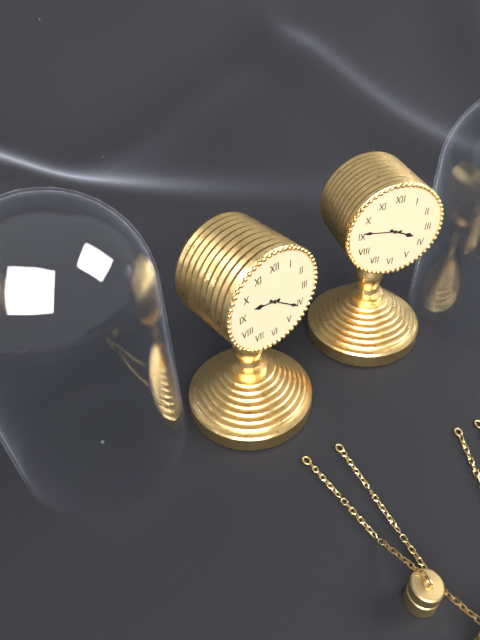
9:21
